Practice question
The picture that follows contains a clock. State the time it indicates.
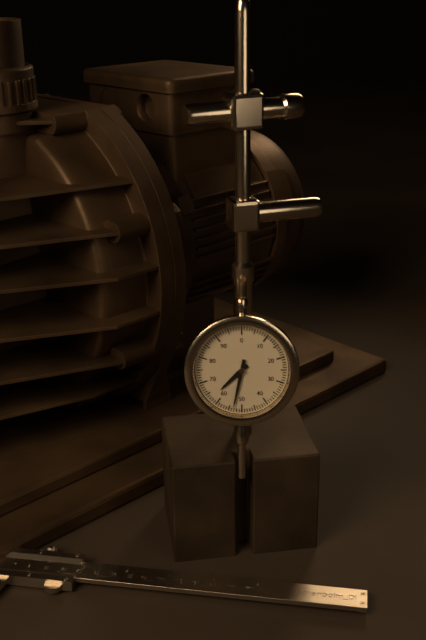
7:32
